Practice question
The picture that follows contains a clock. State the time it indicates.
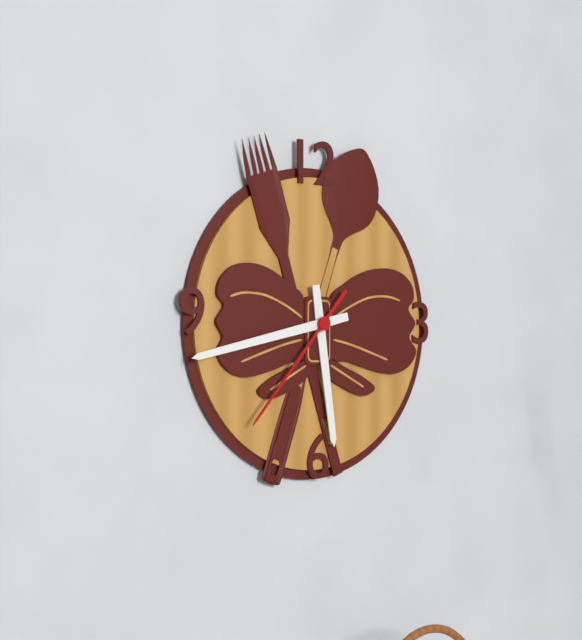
5:43:37
